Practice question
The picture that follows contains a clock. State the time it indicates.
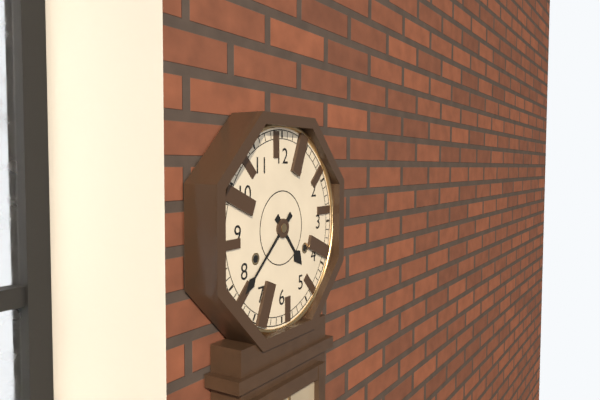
4:38
